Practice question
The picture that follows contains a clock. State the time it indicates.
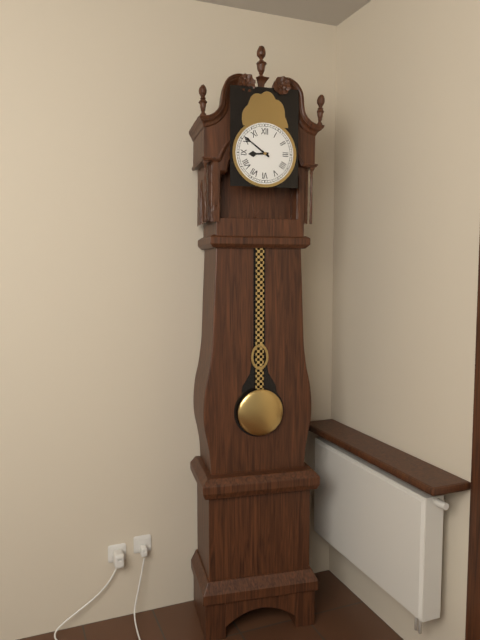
8:51
